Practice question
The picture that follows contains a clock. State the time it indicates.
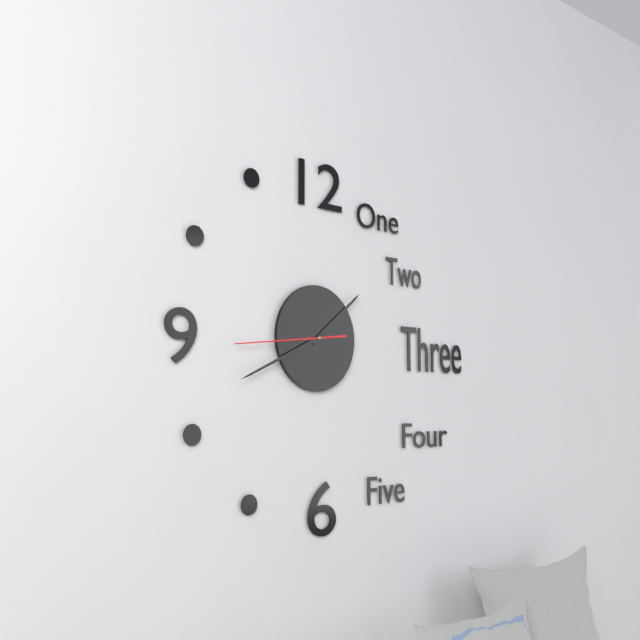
1:41:44
